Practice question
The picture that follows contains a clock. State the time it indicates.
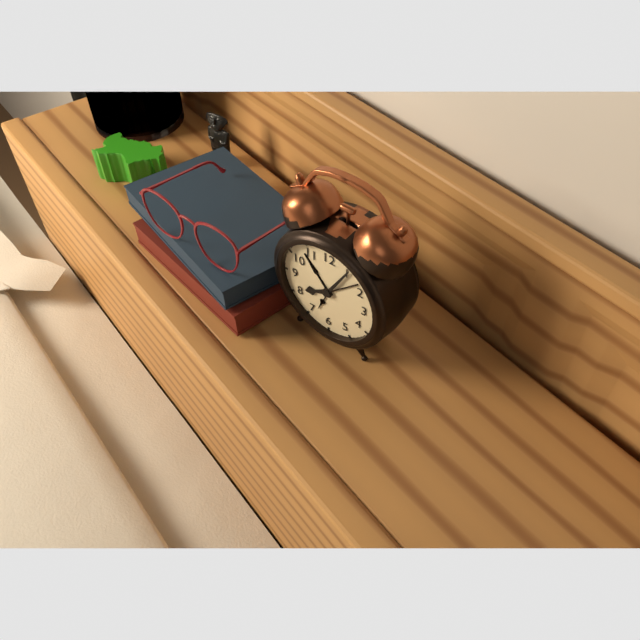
8:05
